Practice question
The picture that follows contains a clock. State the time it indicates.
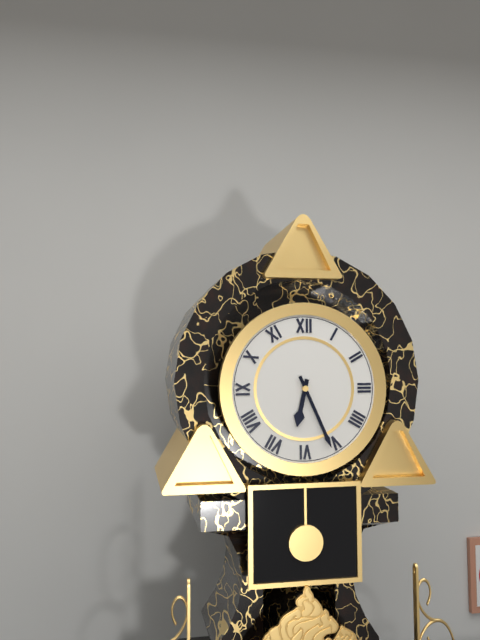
6:26
